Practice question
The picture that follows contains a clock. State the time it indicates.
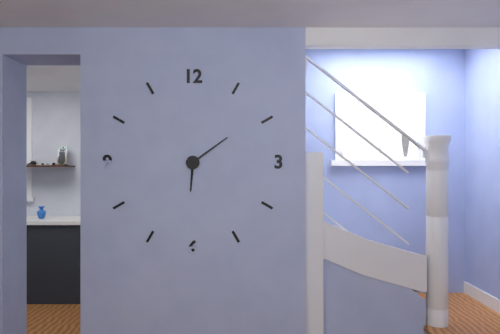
6:09
